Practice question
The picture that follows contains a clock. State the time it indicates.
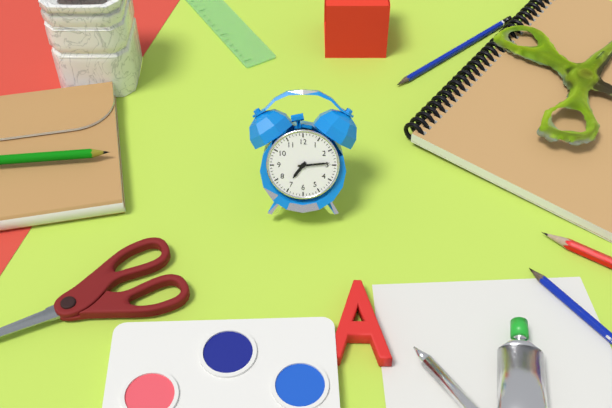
7:14
